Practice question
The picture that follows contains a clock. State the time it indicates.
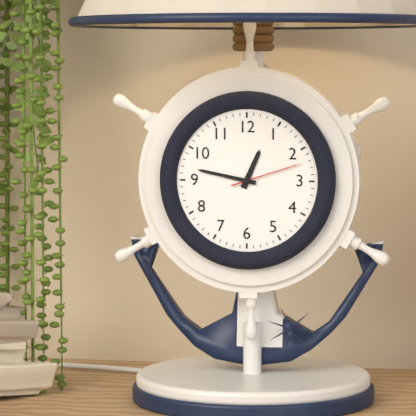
12:47:12
